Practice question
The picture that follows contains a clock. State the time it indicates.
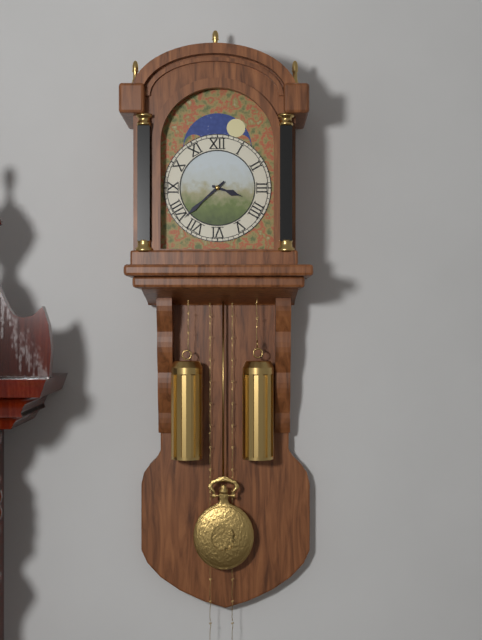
3:38
